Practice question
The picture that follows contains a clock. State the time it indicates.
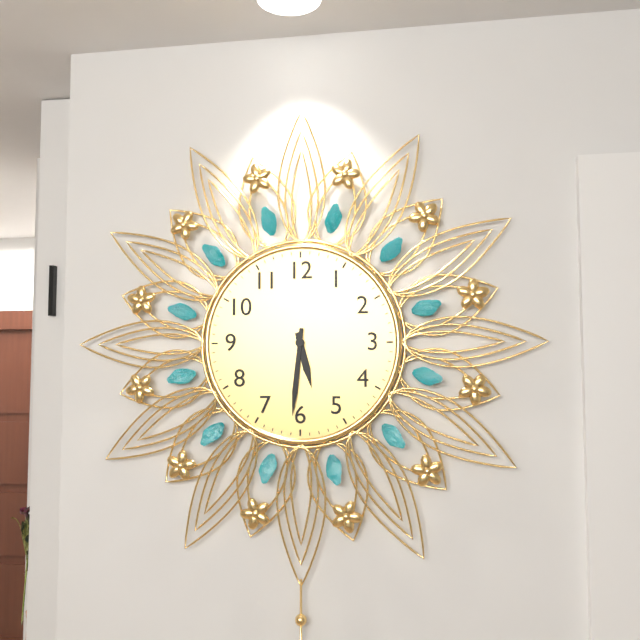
5:31
